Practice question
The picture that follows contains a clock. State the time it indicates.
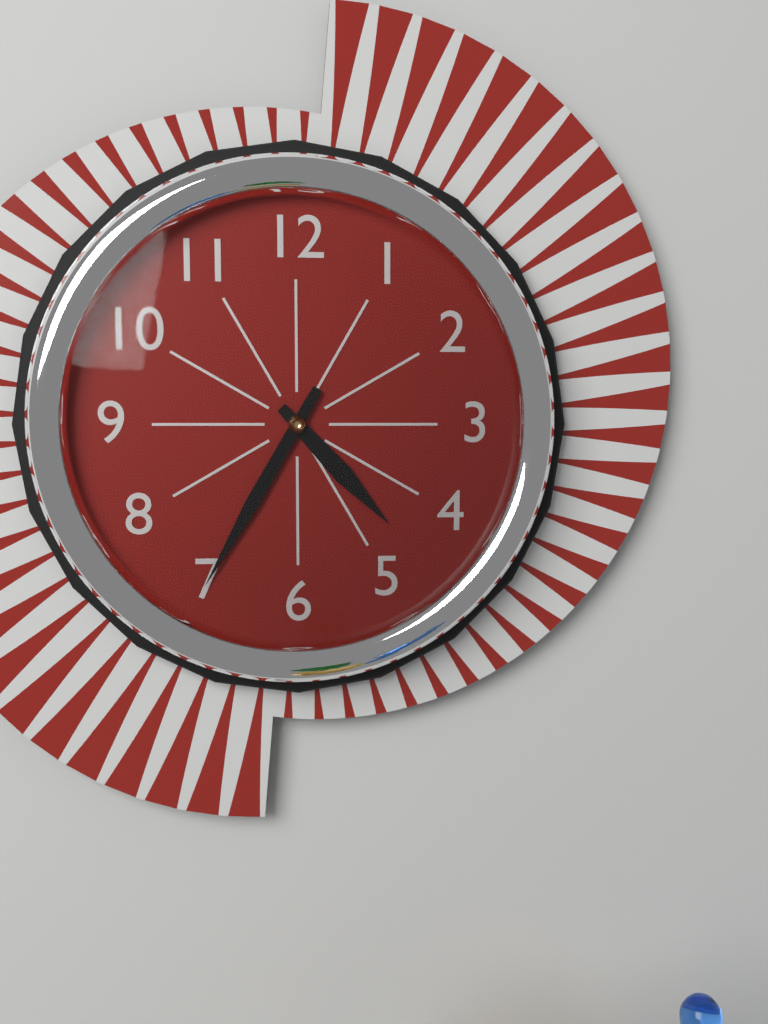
4:35
